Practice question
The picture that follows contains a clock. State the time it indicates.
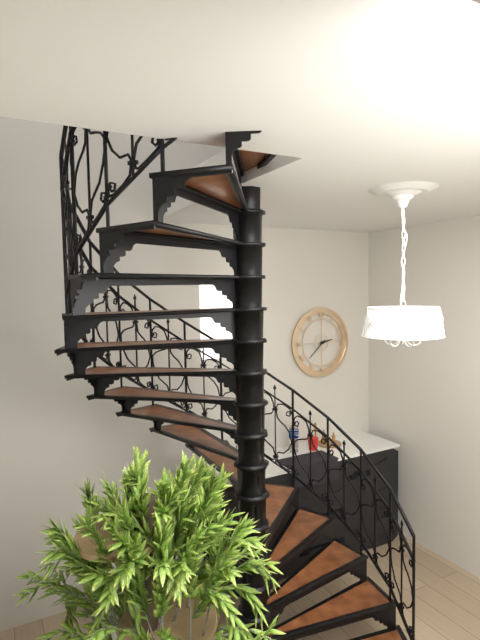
2:38
